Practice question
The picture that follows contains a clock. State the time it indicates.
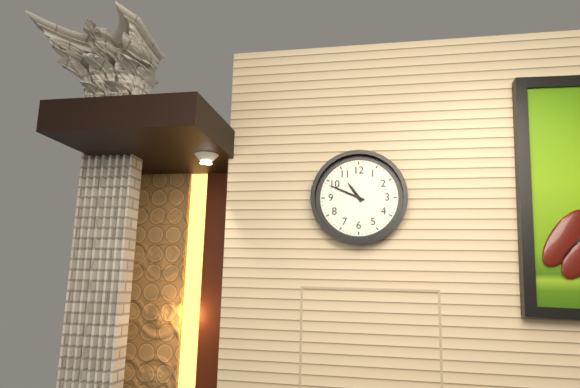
10:49
